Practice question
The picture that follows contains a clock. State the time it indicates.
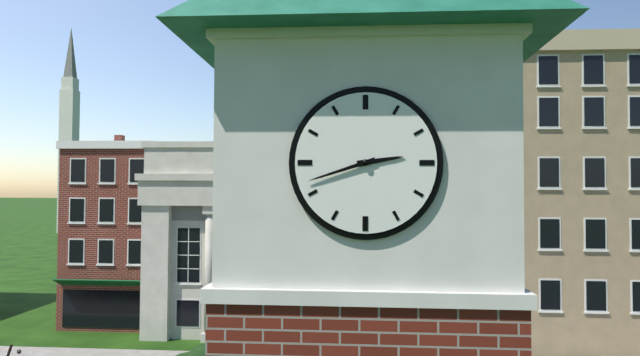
2:42
